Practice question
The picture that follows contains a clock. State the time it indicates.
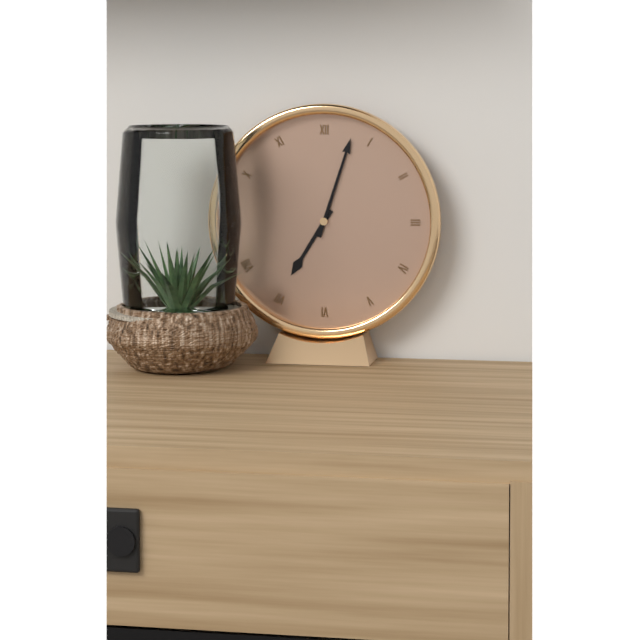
7:03
